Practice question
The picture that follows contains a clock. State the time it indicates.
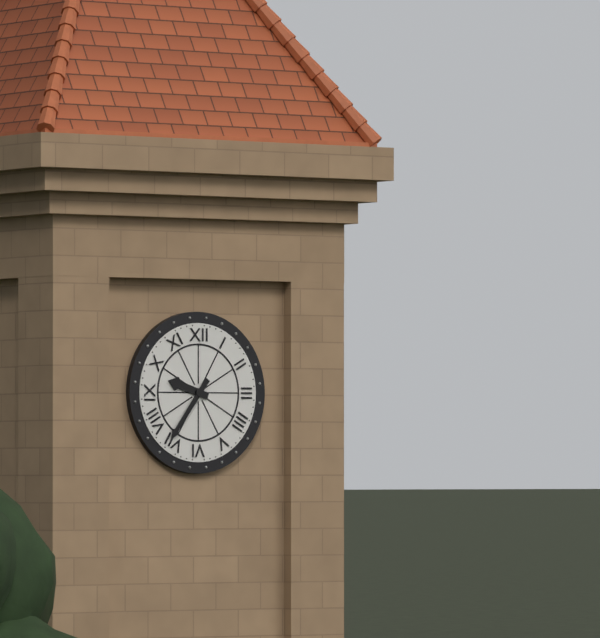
9:36
